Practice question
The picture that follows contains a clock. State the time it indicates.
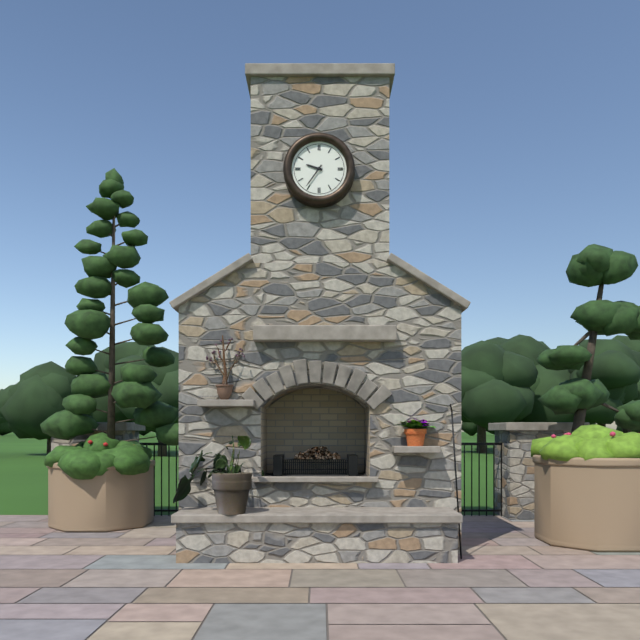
9:36
